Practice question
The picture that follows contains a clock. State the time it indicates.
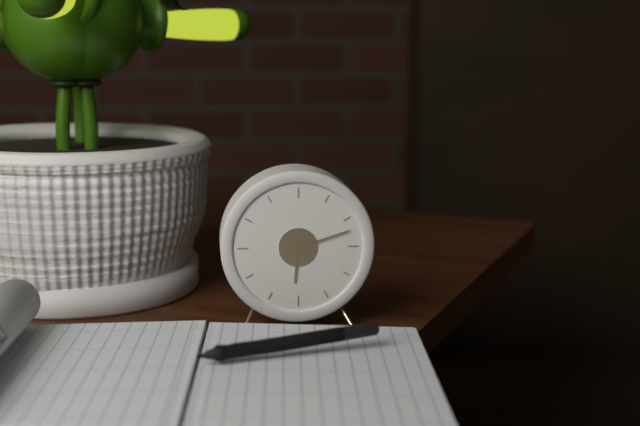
6:12
